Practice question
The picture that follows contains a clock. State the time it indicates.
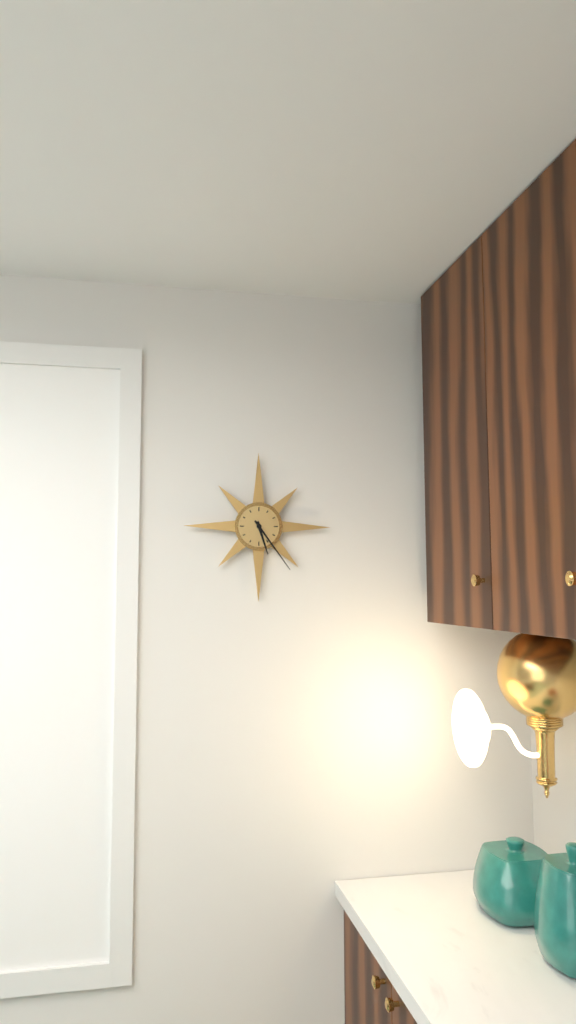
5:24
